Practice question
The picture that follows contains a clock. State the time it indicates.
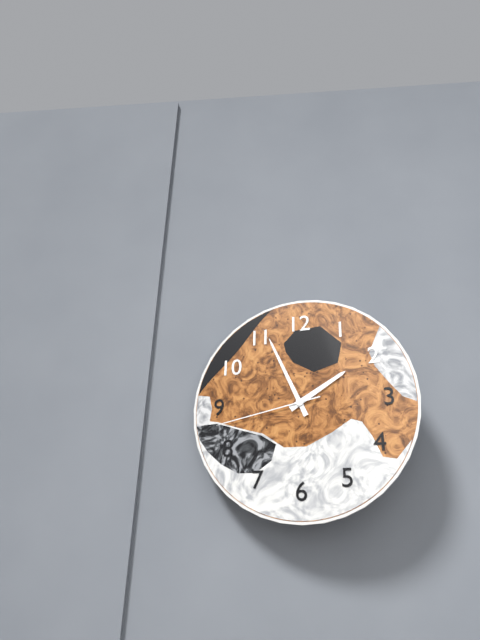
1:56:43
